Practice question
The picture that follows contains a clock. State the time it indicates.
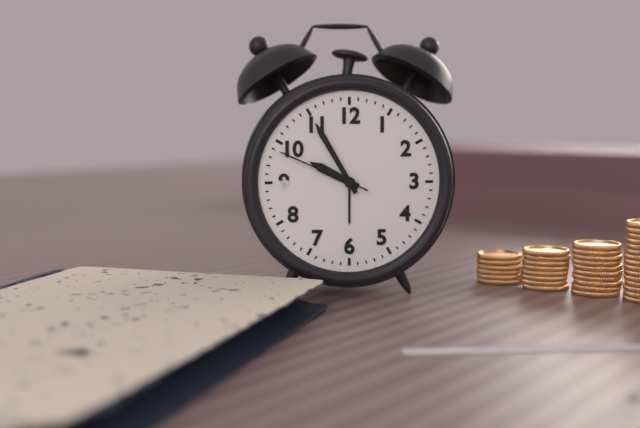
9:55:49
